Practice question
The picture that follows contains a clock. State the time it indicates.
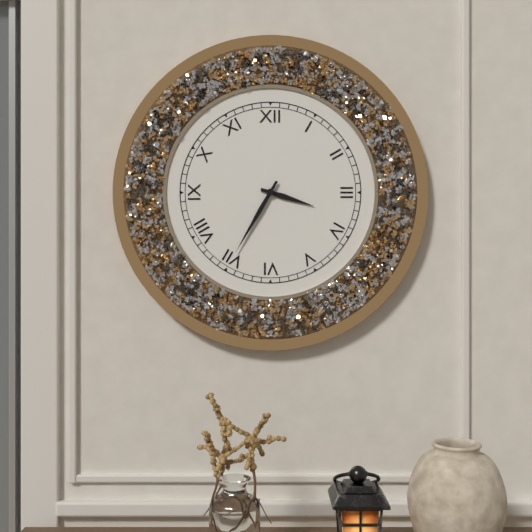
3:35
